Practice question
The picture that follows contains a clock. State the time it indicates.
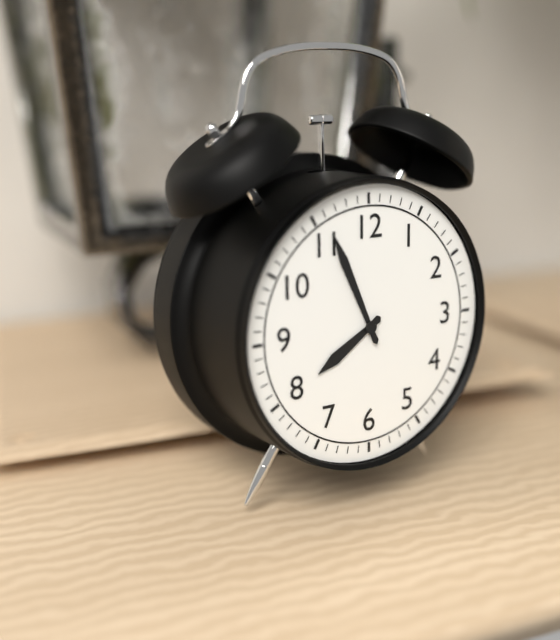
7:56
